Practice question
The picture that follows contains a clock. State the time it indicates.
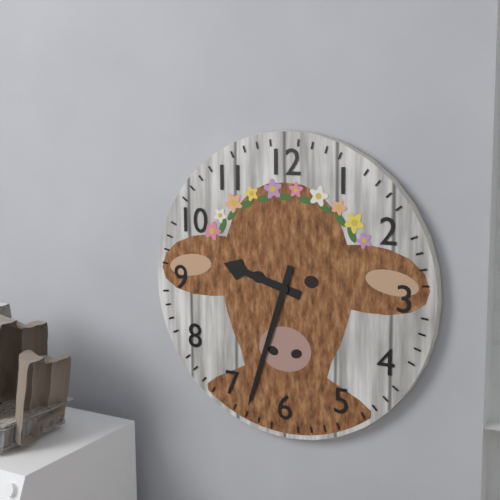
9:33
